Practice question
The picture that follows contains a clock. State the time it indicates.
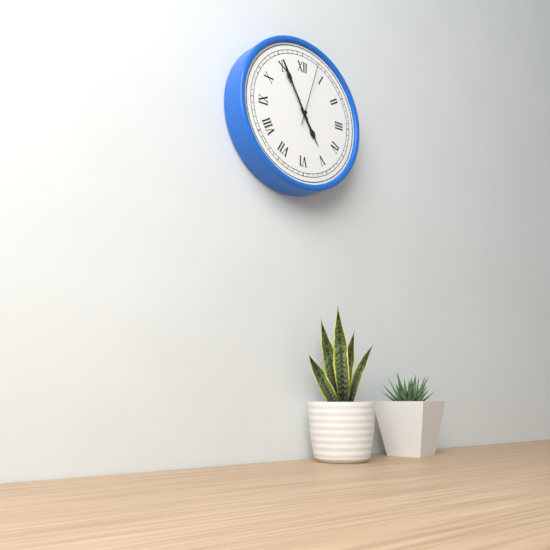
4:55:03
